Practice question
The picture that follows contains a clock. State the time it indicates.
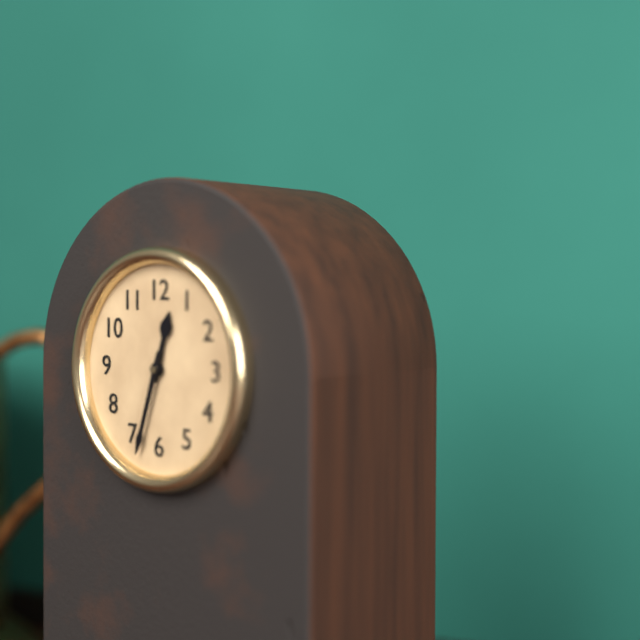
12:33
